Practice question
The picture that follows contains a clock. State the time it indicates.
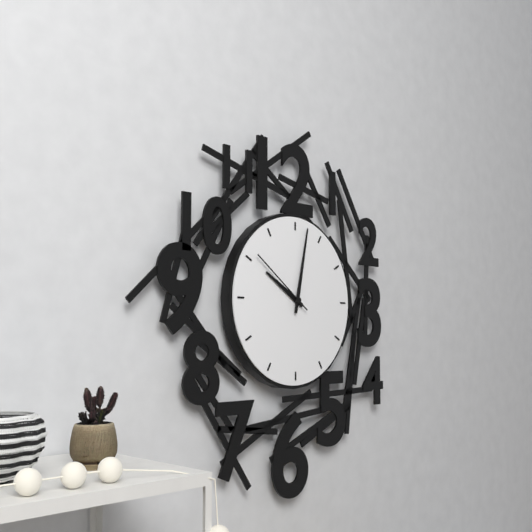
10:02:51
